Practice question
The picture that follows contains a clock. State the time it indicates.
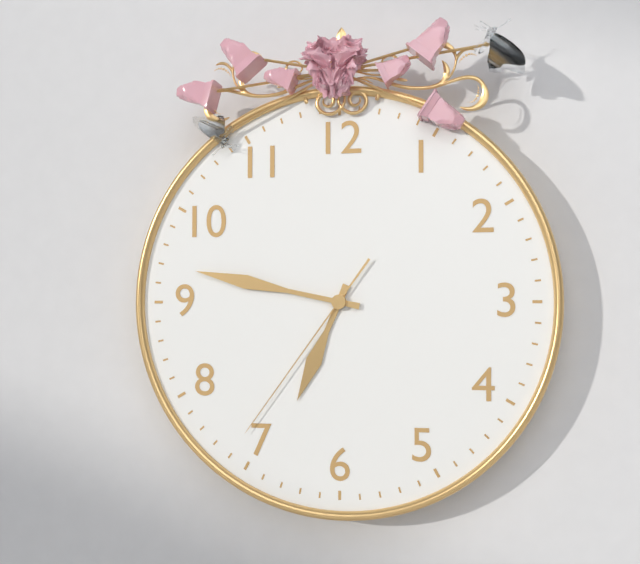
6:47:36
